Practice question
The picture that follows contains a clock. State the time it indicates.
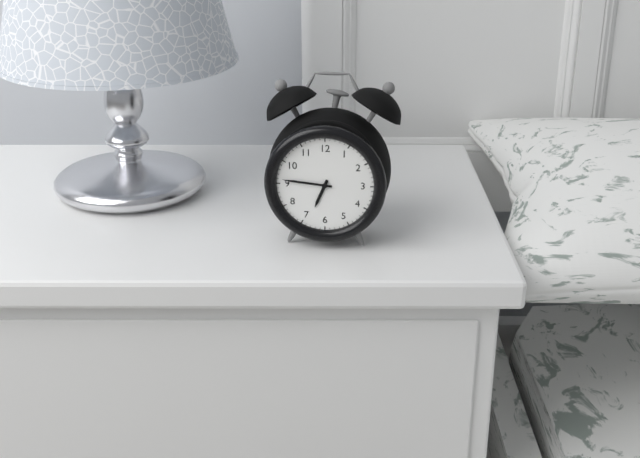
6:46
